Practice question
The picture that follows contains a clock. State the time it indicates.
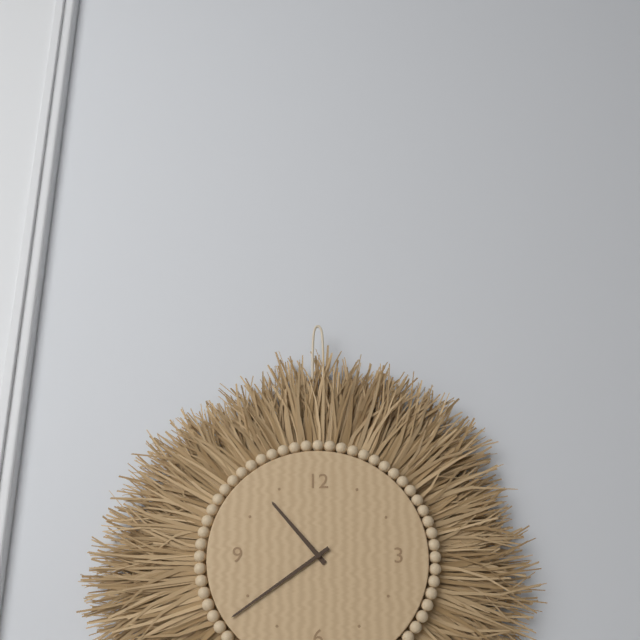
10:39
